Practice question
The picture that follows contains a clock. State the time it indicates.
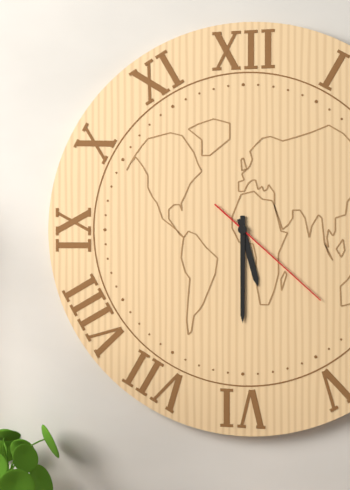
5:30:22
